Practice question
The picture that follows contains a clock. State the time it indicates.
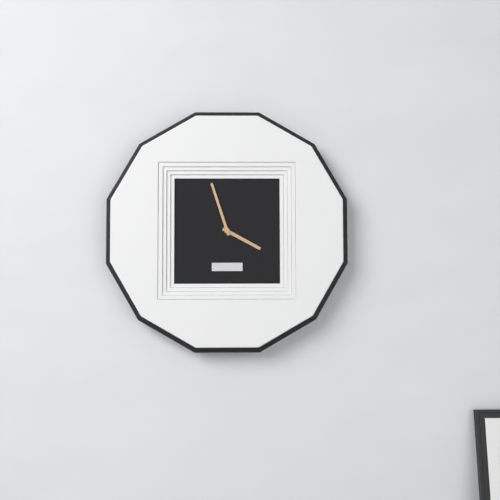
3:57
